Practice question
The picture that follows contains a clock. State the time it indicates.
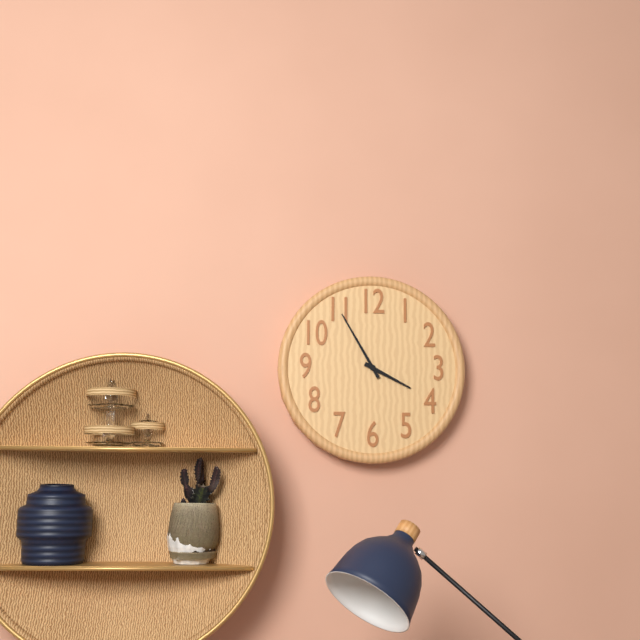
3:55
